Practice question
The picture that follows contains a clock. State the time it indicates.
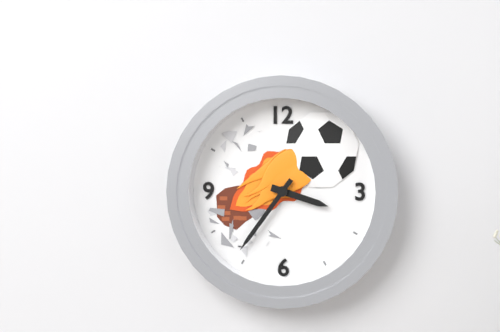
3:36
